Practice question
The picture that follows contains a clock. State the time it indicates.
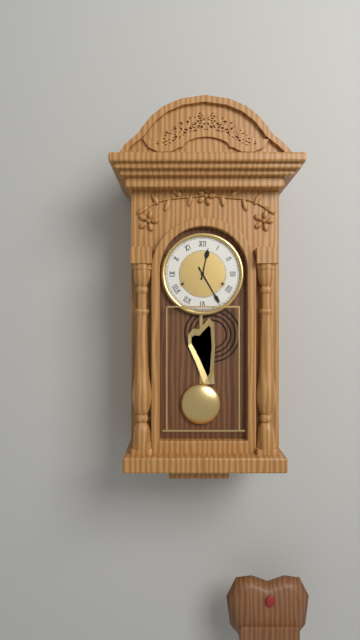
12:25
